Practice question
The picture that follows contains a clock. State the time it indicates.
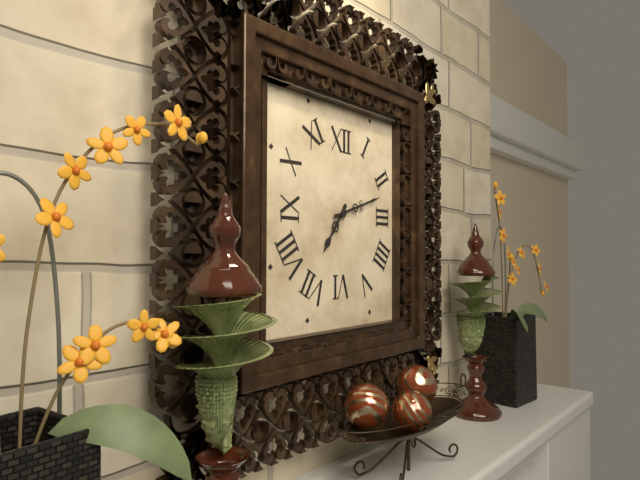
7:12
